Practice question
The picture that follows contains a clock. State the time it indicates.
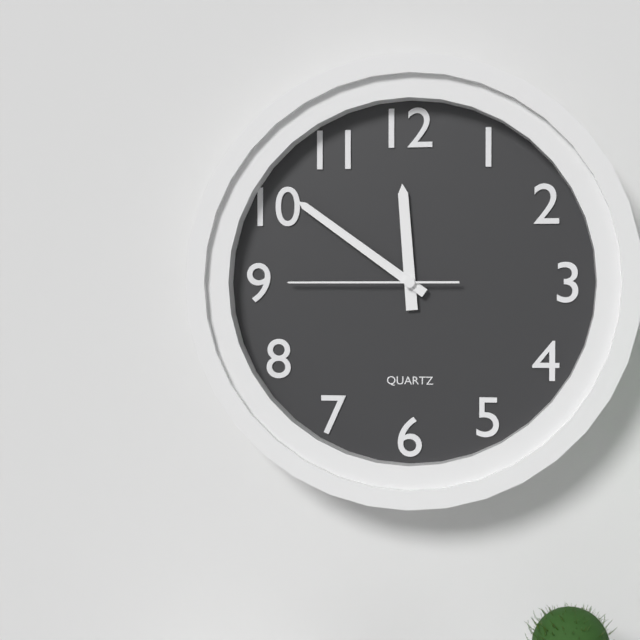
11:51:45
